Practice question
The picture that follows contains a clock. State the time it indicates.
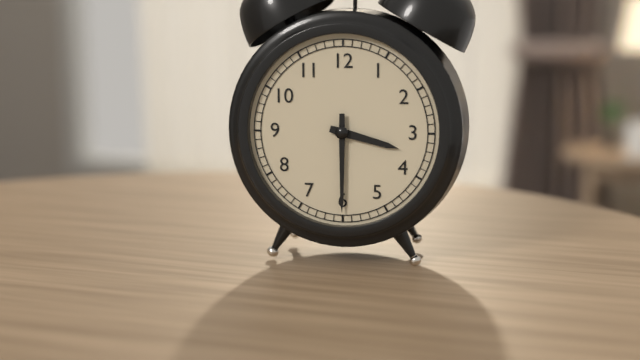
3:30
